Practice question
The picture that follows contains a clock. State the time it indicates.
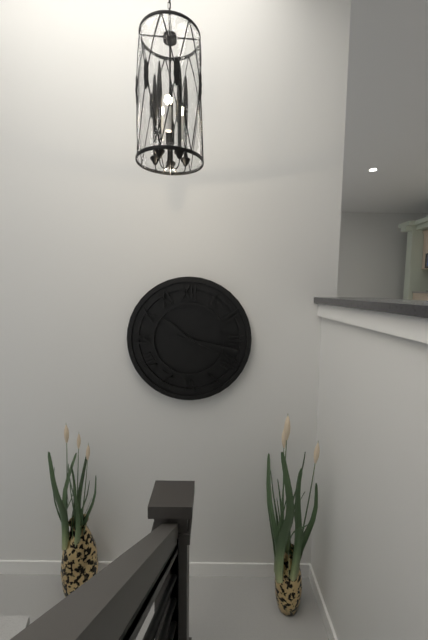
10:17:19
